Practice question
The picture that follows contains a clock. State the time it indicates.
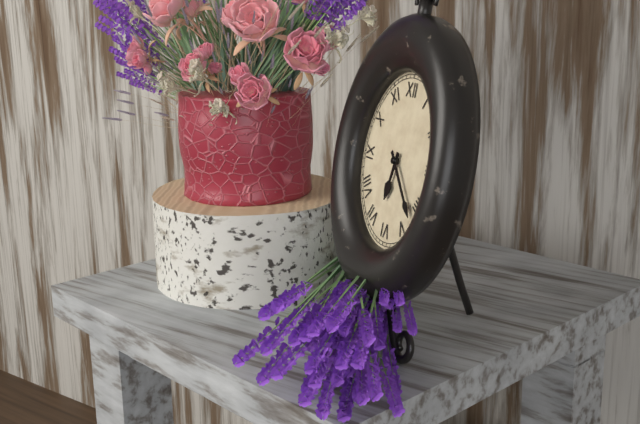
6:23
